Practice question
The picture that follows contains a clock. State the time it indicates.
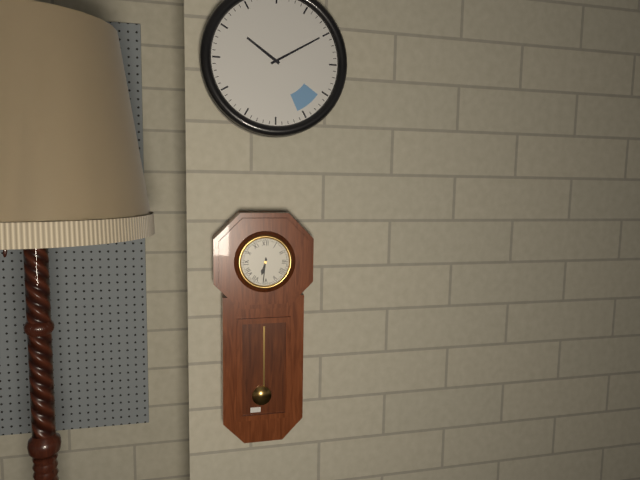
6:31
